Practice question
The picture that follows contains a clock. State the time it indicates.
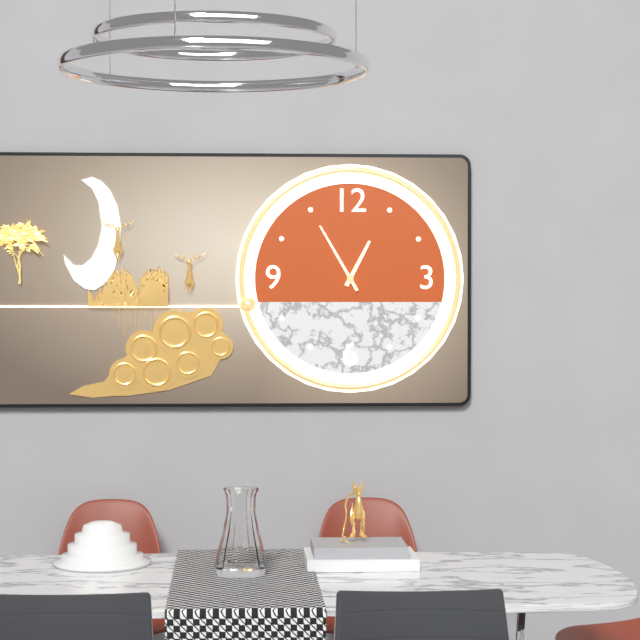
12:55
